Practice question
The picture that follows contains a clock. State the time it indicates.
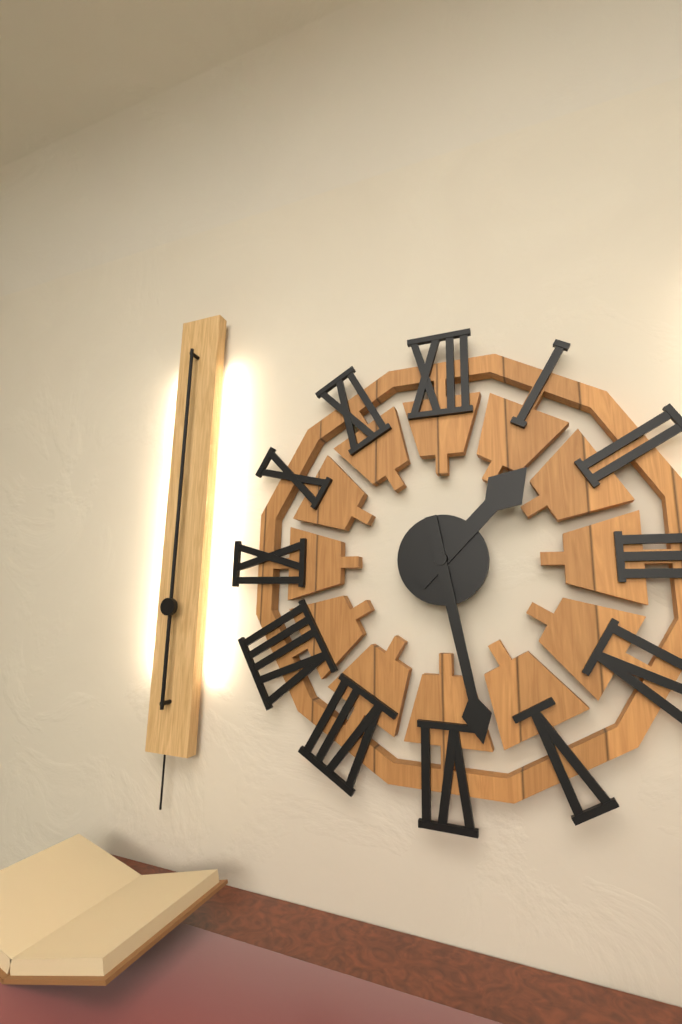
1:28
